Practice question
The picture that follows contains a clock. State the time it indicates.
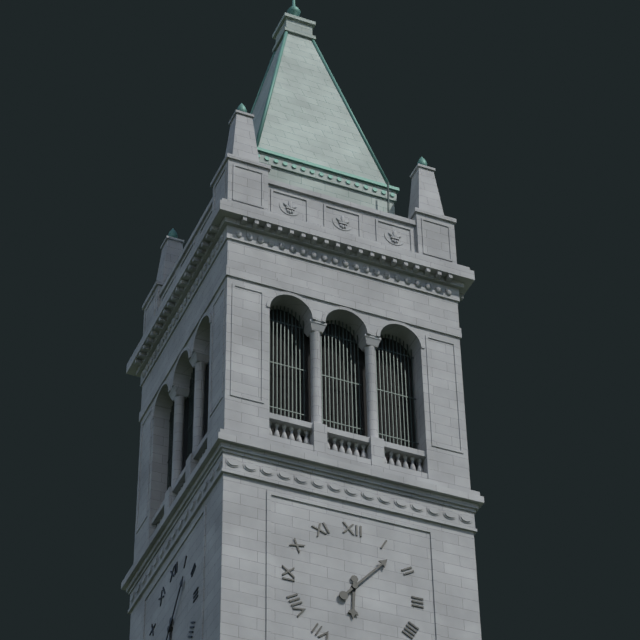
6:07
